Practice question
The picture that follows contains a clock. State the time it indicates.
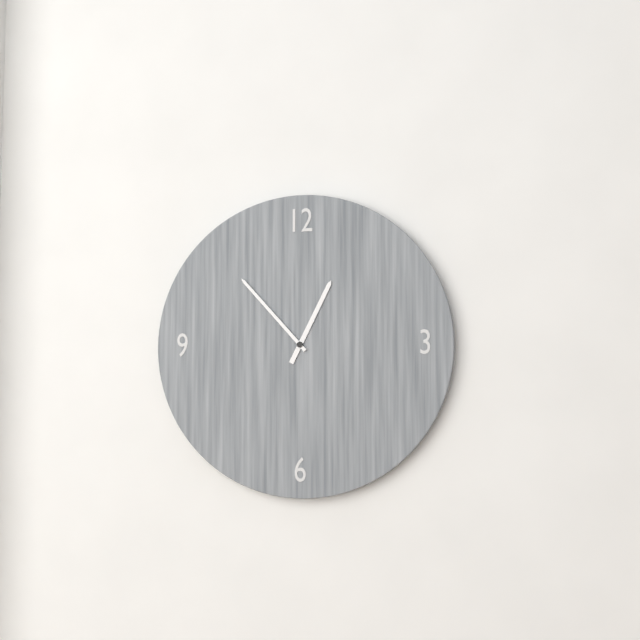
12:53
